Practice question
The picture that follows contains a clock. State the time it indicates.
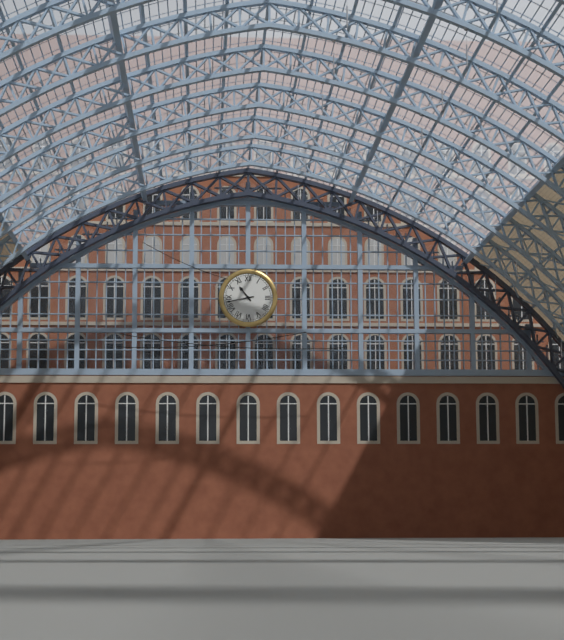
10:43
